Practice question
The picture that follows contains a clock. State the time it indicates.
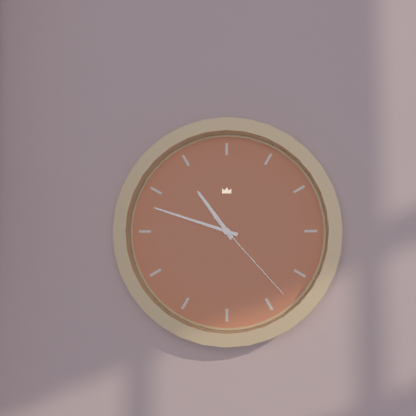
10:48:23
